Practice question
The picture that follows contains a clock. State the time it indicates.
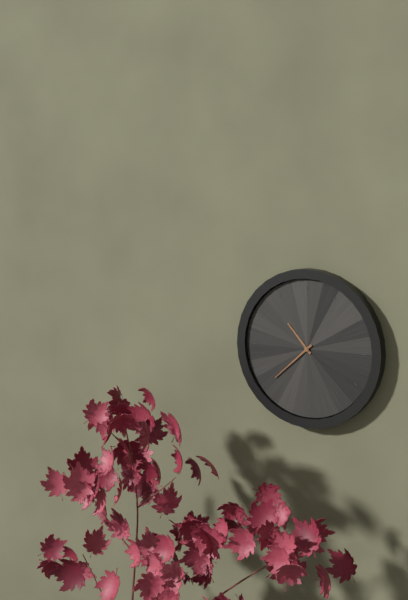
10:38
